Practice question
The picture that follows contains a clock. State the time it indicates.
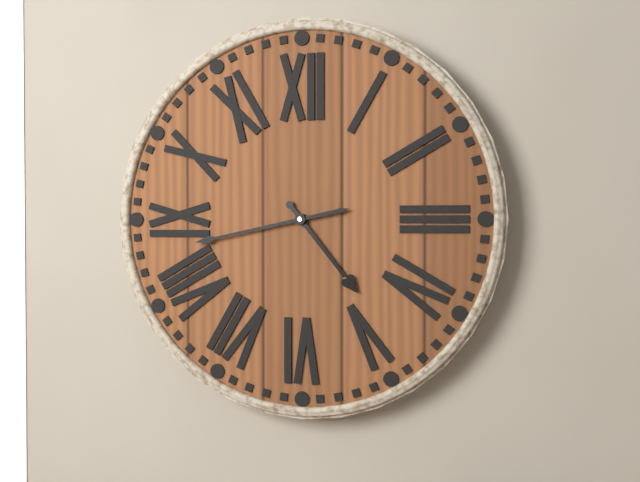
4:43
